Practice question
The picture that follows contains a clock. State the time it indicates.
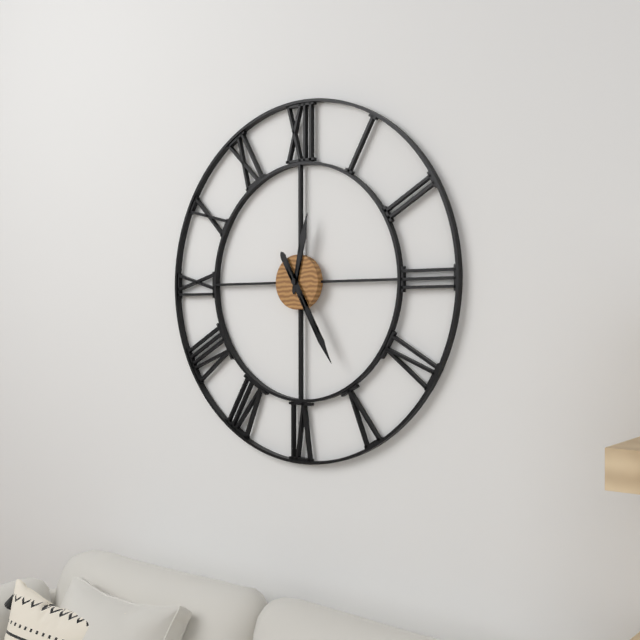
12:25
